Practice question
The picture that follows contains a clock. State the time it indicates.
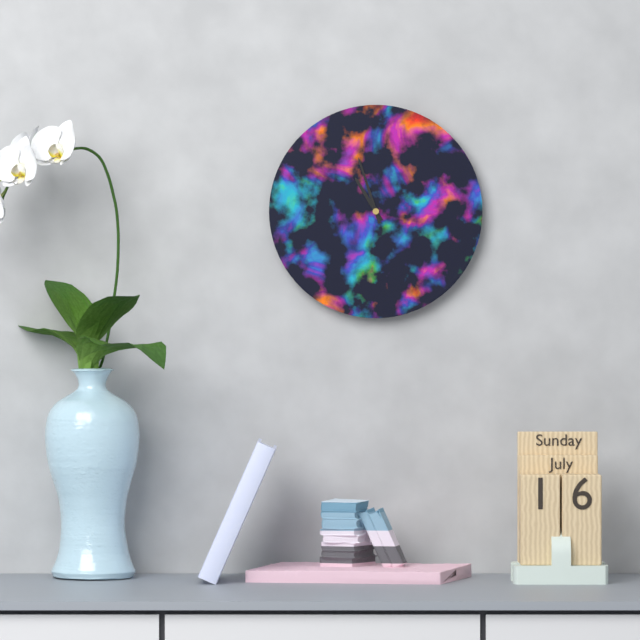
10:57
